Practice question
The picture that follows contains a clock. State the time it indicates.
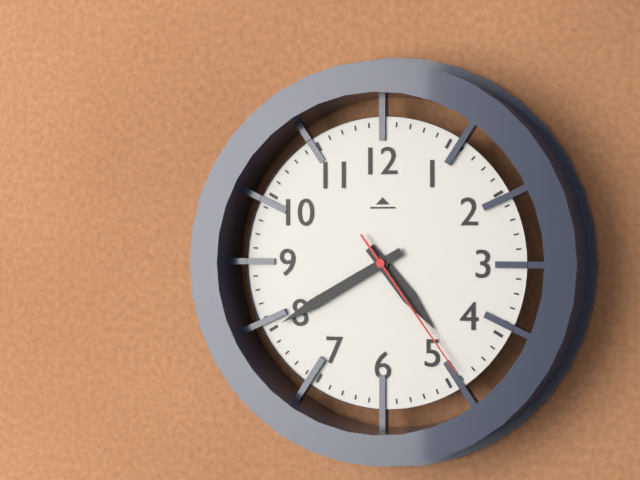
4:40:24
